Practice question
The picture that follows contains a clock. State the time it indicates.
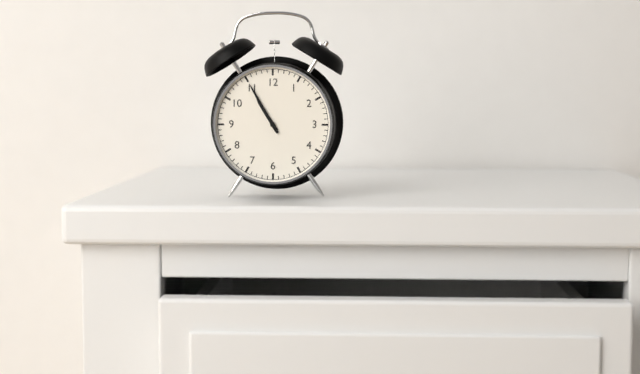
10:55
